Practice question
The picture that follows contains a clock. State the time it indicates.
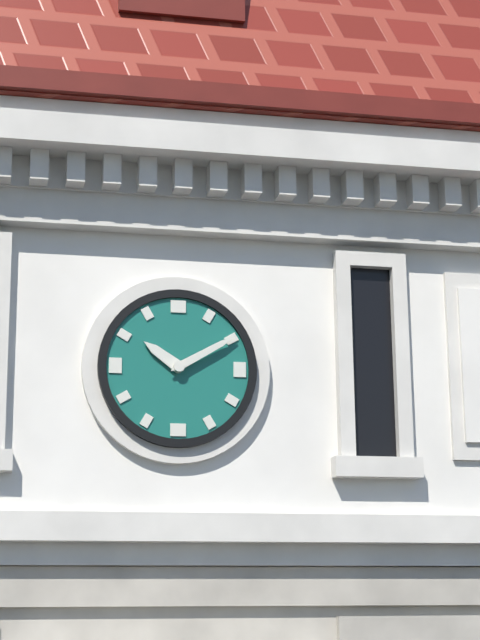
10:10
